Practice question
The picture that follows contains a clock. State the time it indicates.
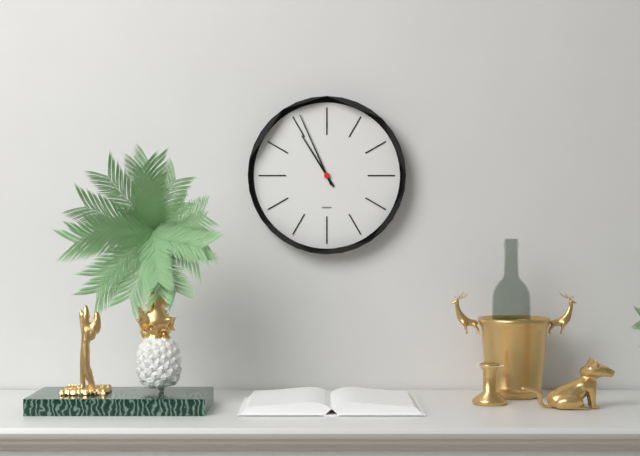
10:56
